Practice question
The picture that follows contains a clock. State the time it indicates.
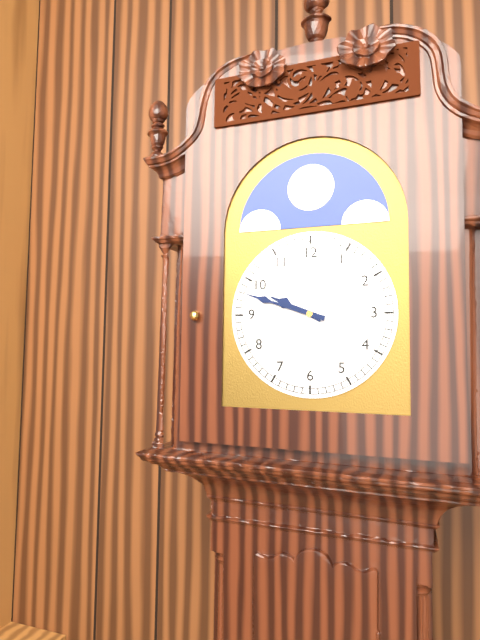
9:48
